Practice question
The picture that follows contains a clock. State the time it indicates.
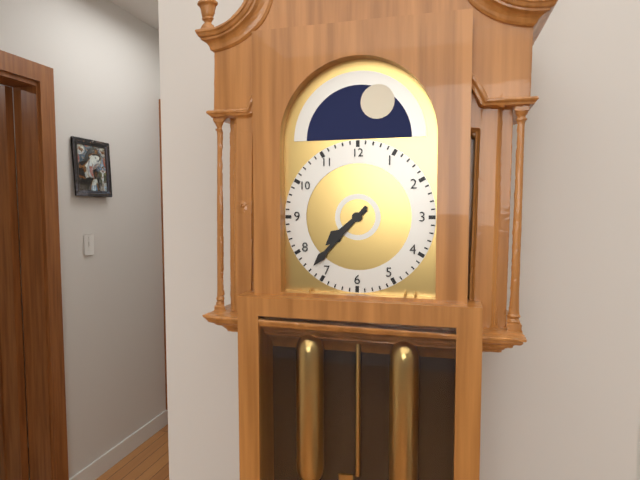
7:37
